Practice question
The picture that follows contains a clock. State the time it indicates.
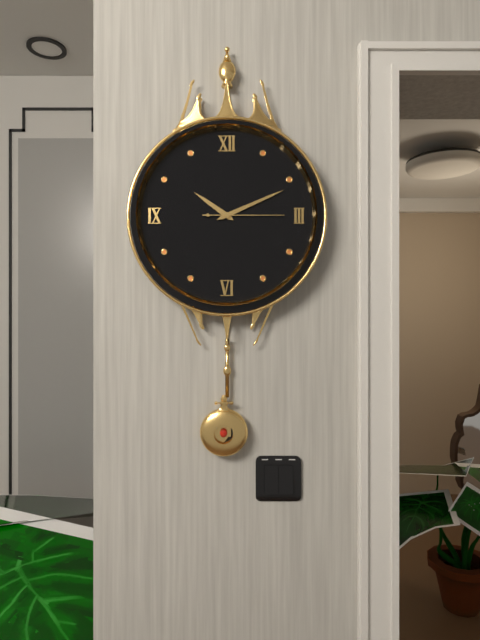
10:11:15
